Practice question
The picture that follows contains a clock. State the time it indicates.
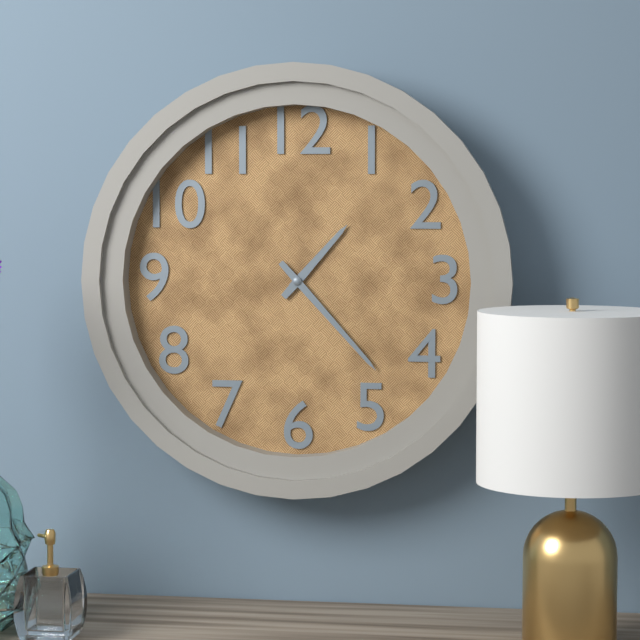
1:23
